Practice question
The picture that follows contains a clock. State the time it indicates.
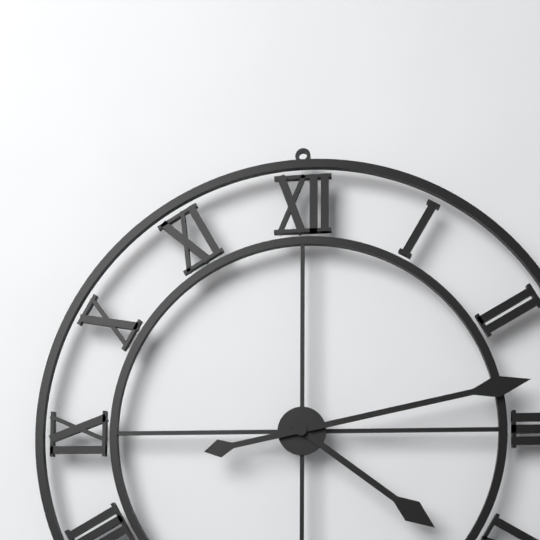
4:13
